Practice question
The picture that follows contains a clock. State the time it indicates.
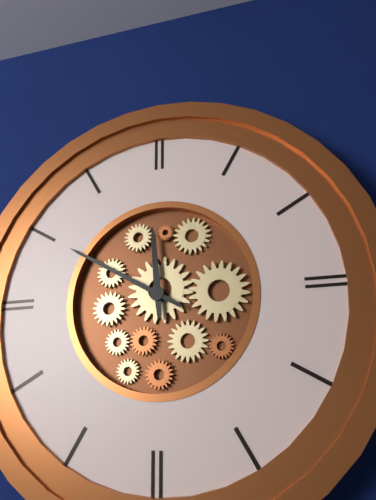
11:50
